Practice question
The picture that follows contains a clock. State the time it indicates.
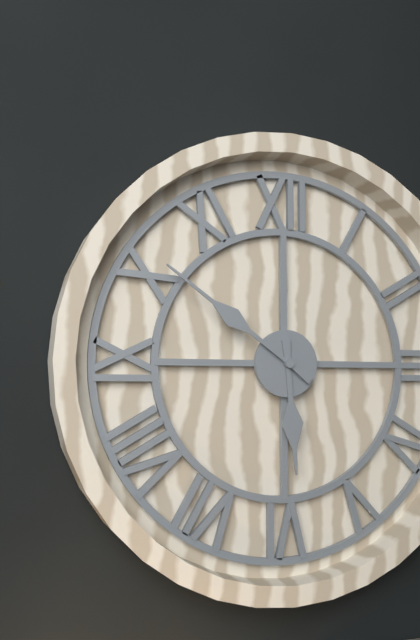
5:51
